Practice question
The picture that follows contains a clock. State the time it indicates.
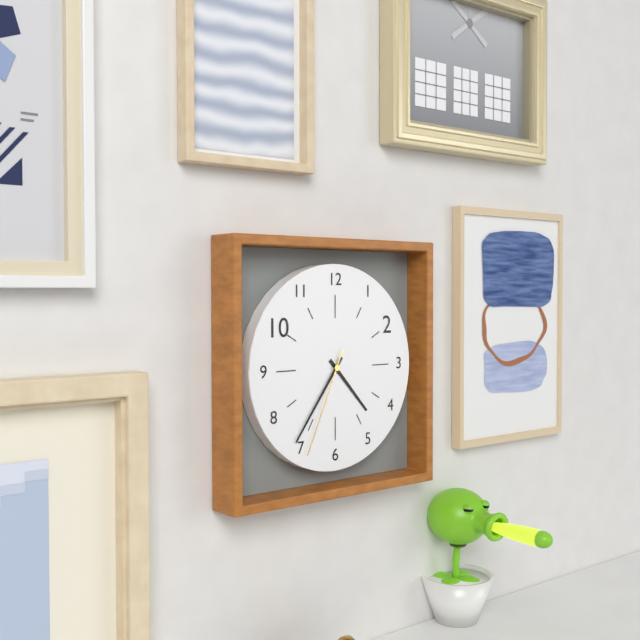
4:36:34
